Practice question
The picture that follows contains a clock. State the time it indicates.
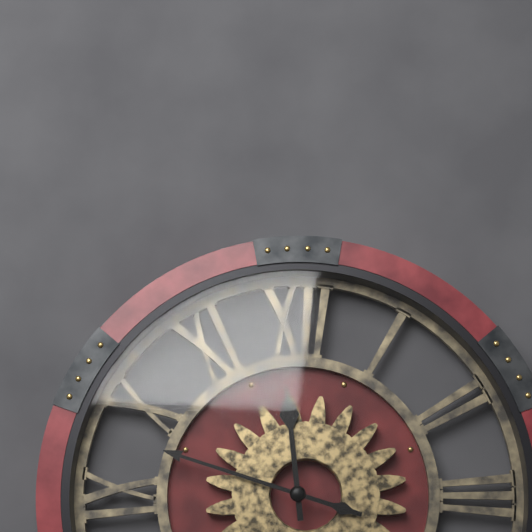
11:48
